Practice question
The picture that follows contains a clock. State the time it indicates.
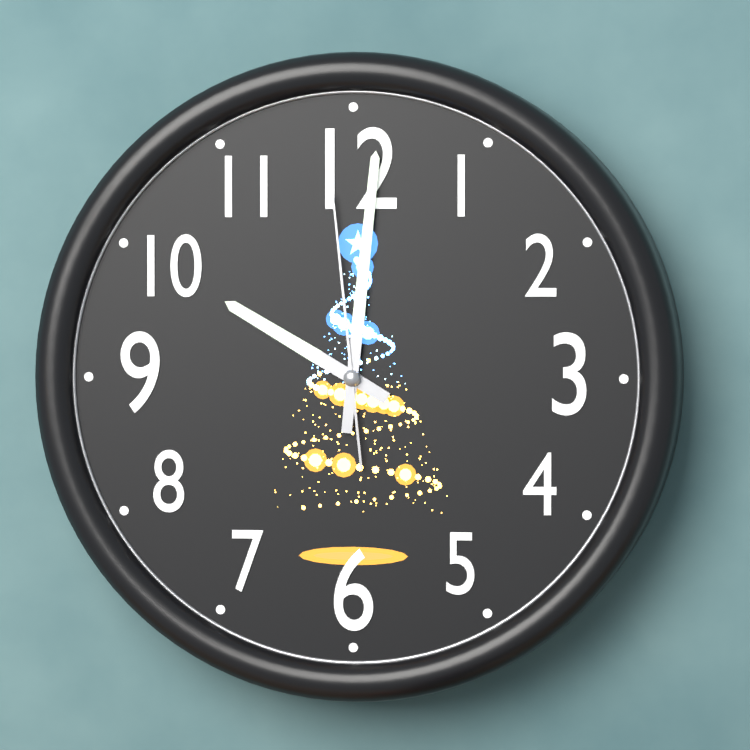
10:01:59
